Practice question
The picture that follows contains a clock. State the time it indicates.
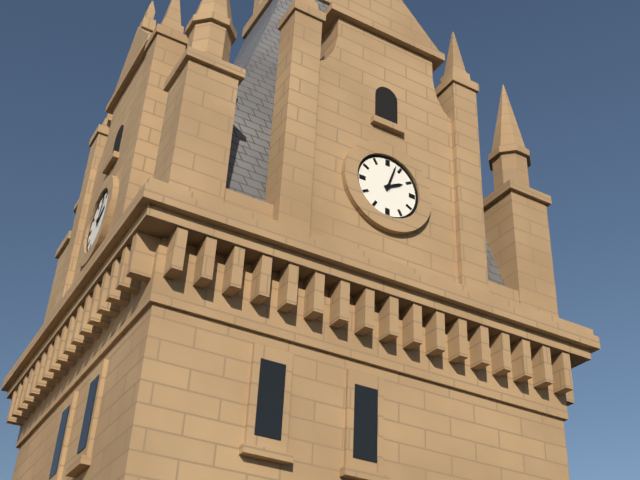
2:03
